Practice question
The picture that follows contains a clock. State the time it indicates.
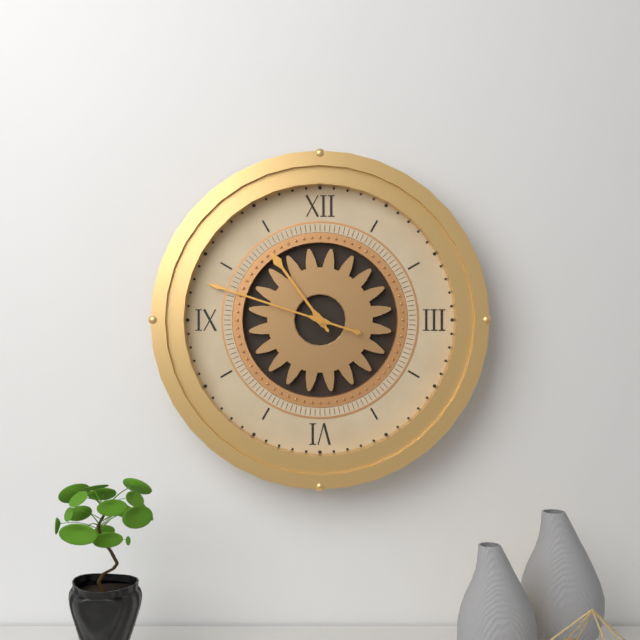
10:48
